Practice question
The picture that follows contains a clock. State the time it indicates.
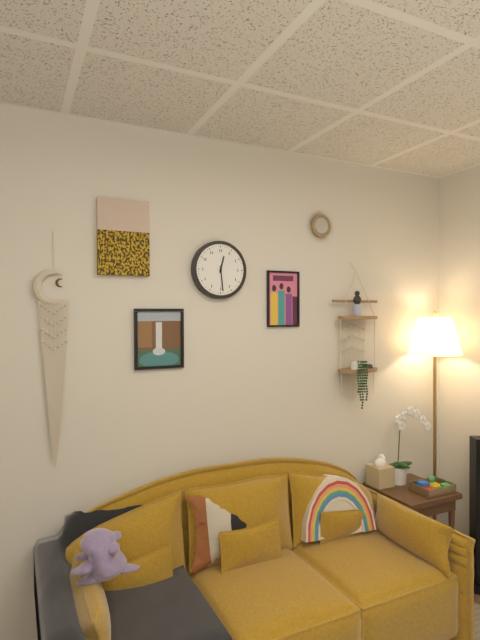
12:29
